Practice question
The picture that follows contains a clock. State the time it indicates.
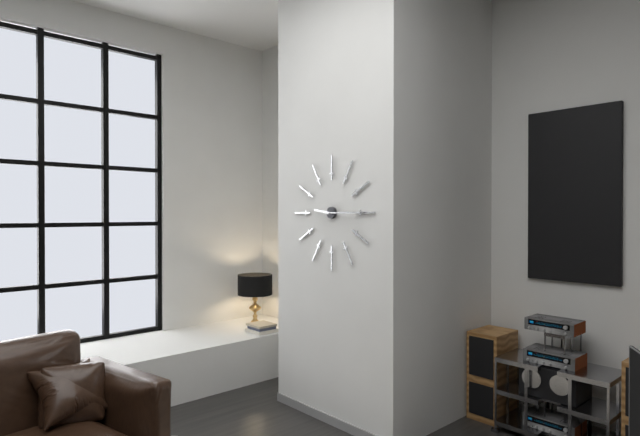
9:15
